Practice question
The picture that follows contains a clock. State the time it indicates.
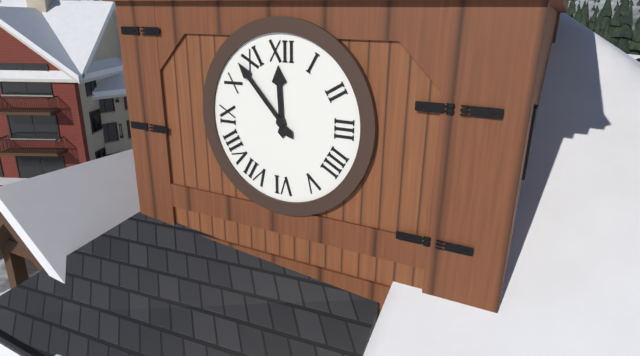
11:53
